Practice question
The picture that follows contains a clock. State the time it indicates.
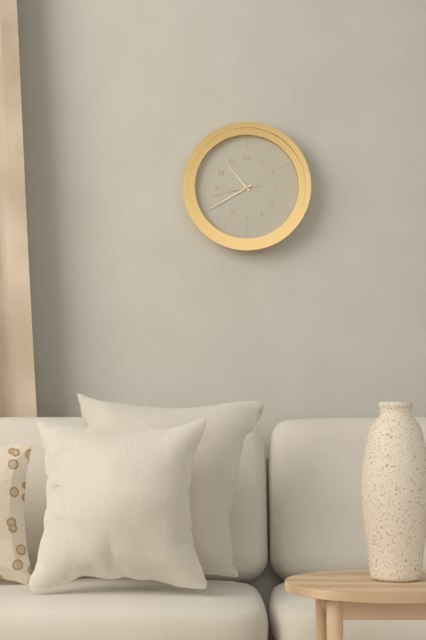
10:40
